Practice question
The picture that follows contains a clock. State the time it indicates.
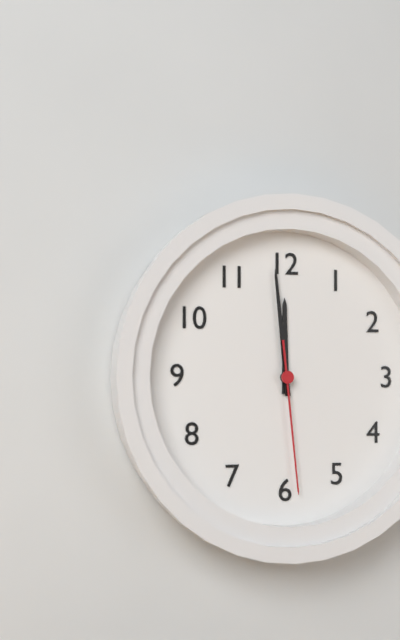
11:59:29
